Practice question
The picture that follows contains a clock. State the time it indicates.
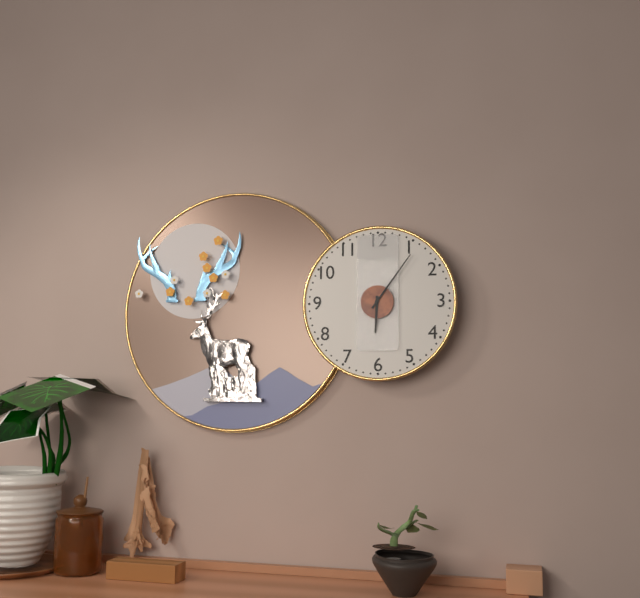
6:06
